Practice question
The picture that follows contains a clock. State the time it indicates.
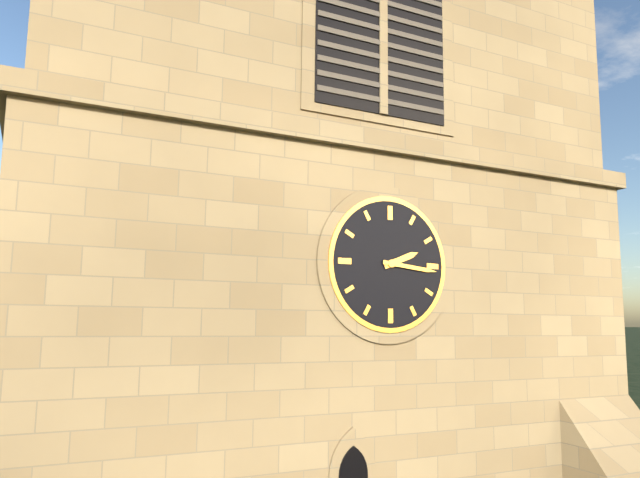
2:16
